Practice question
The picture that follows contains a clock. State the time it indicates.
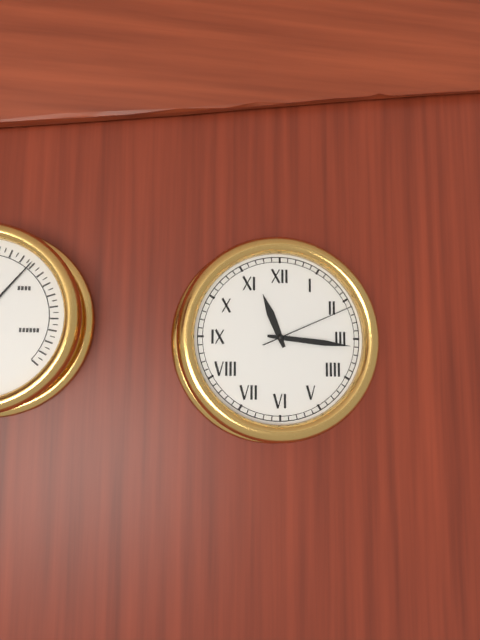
11:16:11
